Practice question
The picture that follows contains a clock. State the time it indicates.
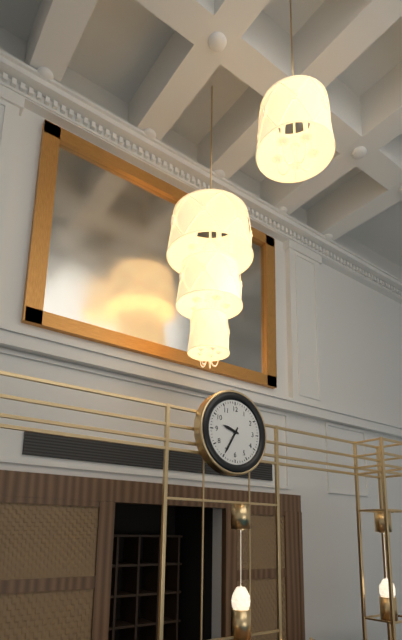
9:35
